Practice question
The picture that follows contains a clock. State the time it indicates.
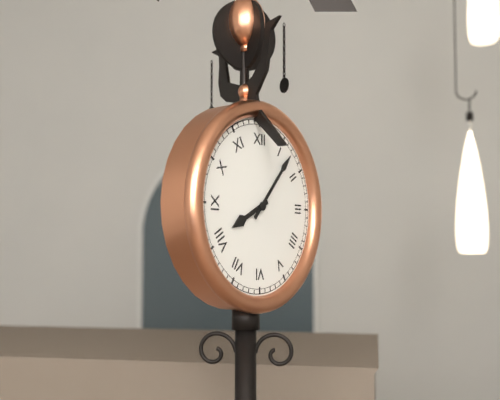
8:07
